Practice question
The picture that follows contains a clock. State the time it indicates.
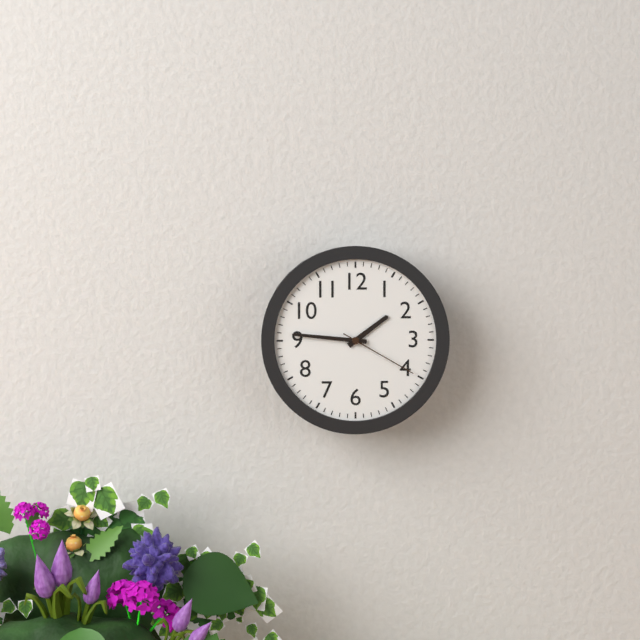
1:46:20
